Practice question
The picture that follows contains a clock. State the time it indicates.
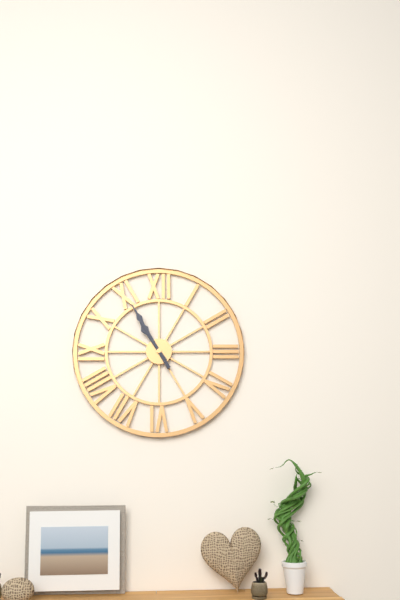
10:55
